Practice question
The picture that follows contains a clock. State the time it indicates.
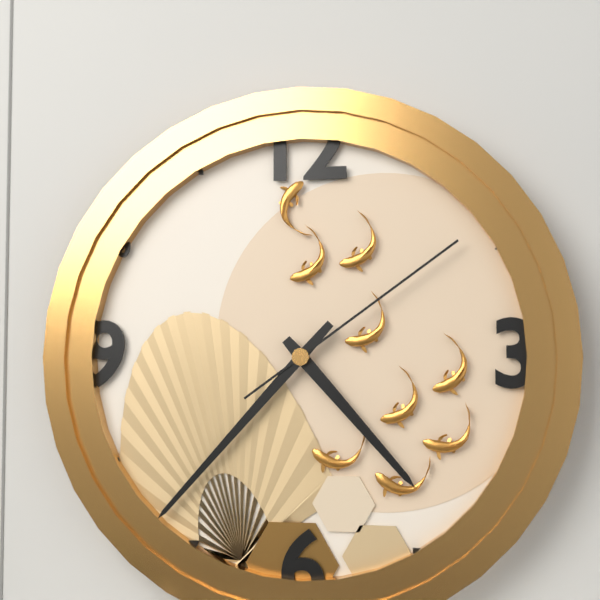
4:37:09
